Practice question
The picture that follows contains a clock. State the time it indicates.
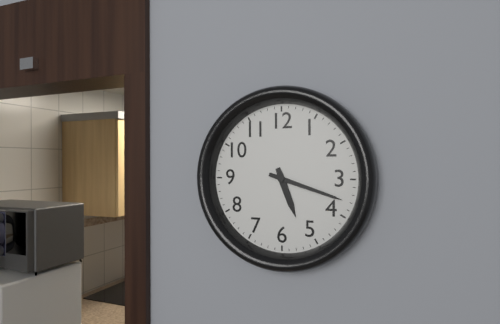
5:18
